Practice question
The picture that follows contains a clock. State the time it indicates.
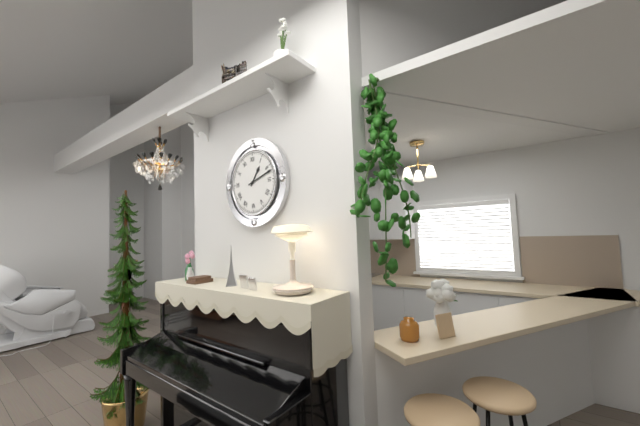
1:12
